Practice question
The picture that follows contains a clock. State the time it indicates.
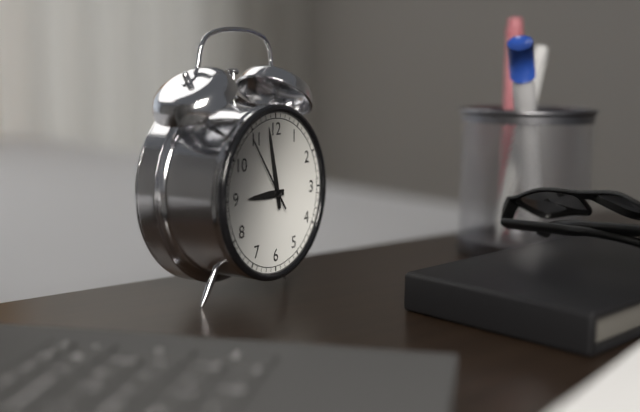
8:58:54
